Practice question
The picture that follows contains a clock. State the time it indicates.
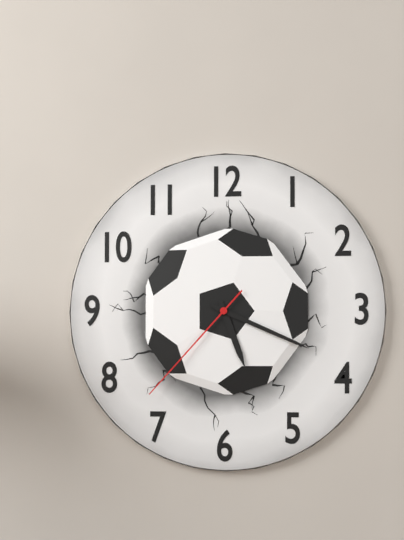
5:19:37
